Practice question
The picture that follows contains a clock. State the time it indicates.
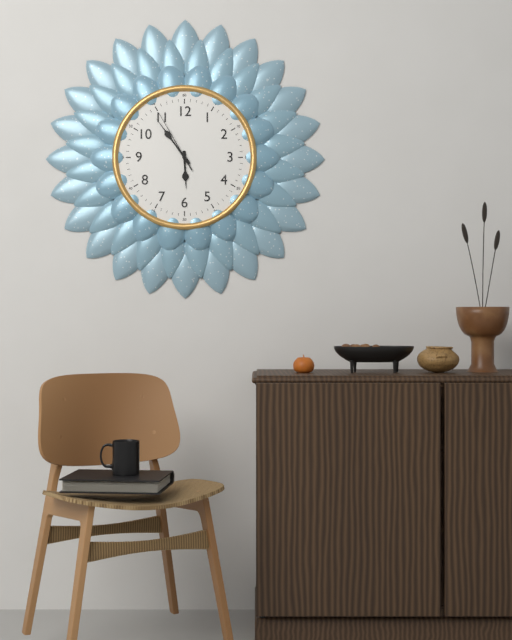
5:54:55
